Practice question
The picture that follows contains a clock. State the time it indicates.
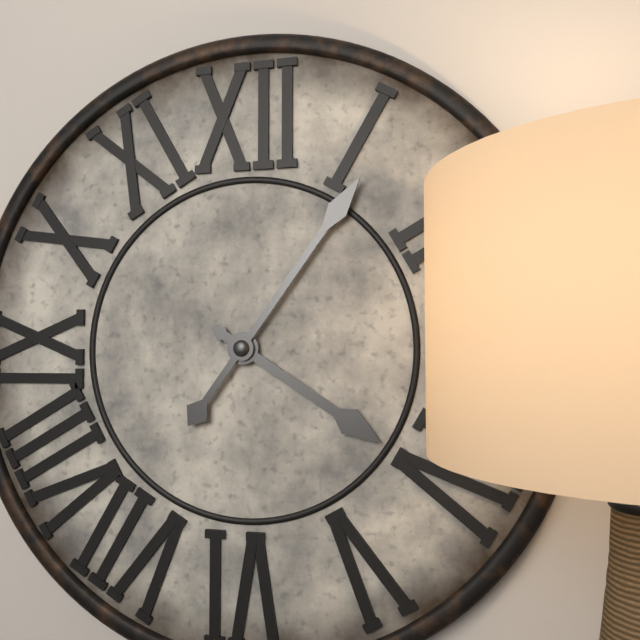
4:06
